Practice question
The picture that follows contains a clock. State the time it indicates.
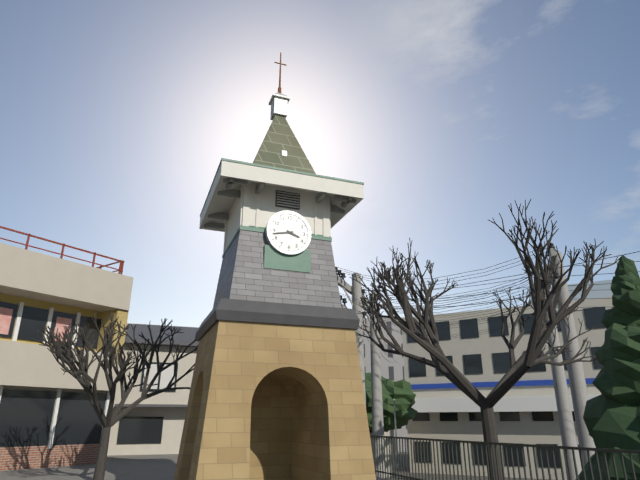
3:43
